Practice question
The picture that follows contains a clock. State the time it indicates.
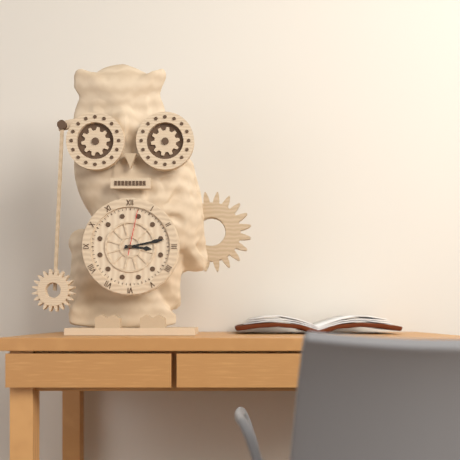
3:13
